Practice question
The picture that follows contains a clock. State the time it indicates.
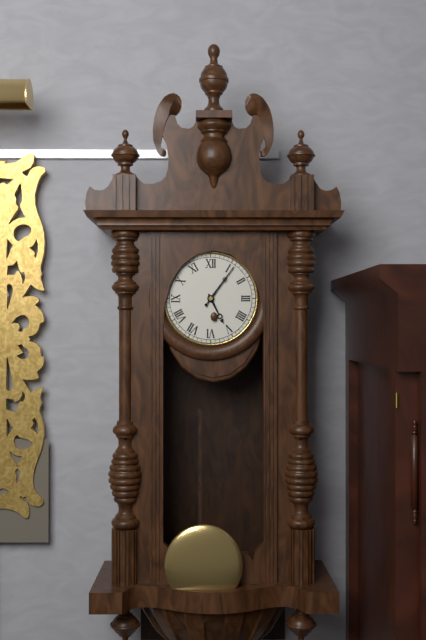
5:06
